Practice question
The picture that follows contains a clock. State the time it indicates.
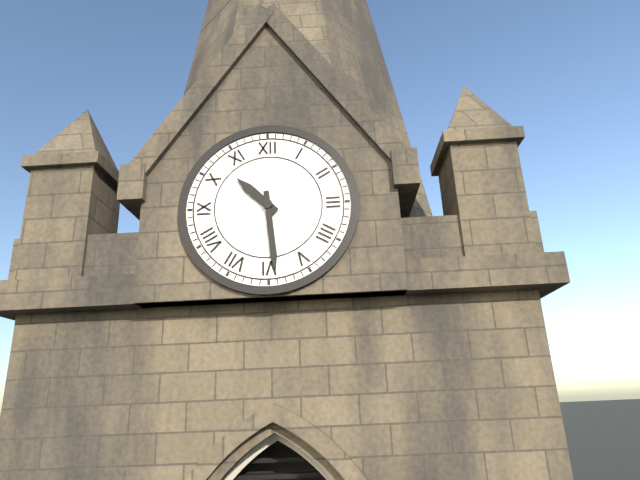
10:29
